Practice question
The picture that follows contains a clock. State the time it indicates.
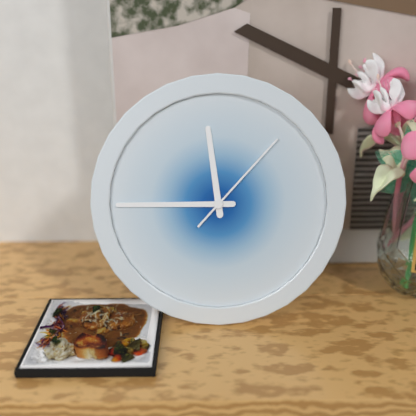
11:45:07
